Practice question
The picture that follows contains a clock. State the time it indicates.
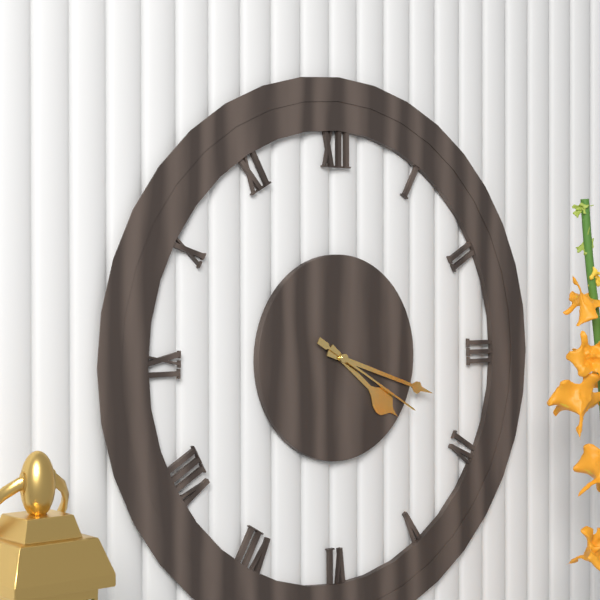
4:18:20
